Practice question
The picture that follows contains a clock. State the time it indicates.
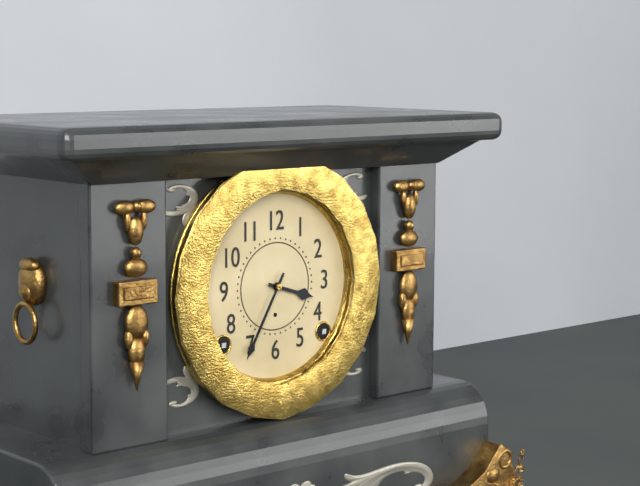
3:35
